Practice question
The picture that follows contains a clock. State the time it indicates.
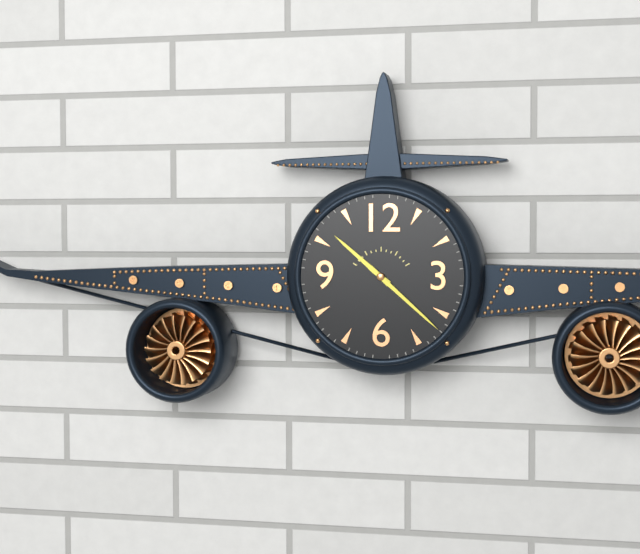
10:22
